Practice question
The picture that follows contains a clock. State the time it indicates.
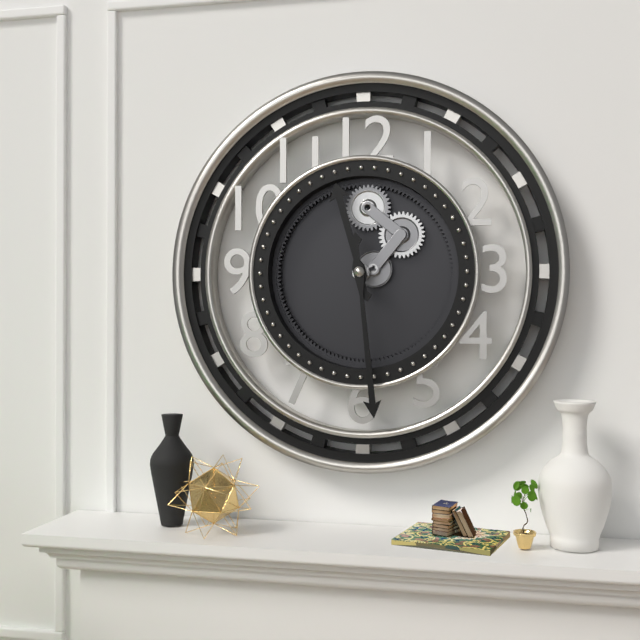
11:29
